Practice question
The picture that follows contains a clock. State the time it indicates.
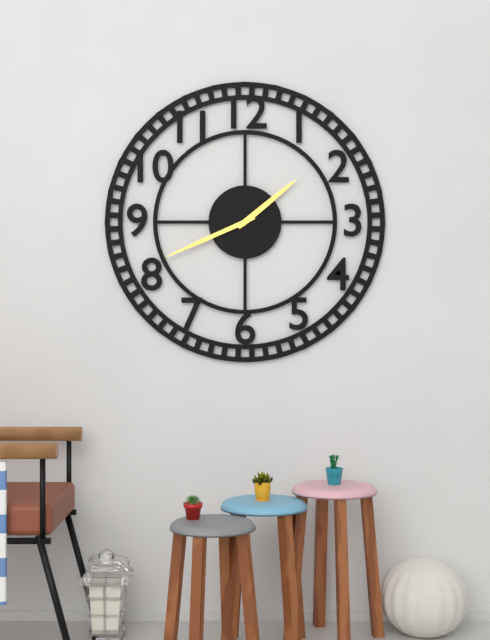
1:41
